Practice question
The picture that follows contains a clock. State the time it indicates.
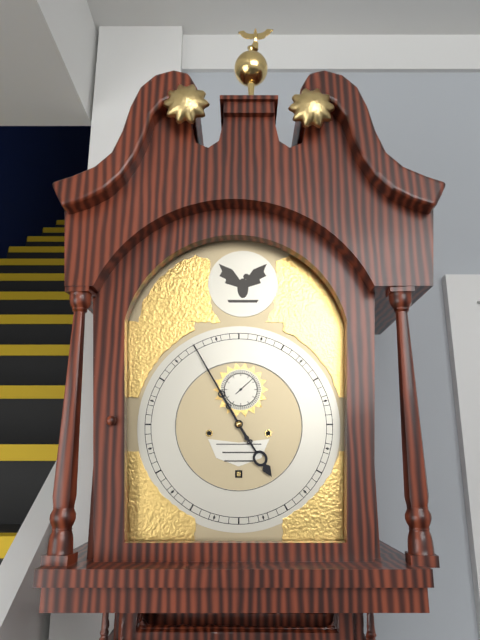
4:55
